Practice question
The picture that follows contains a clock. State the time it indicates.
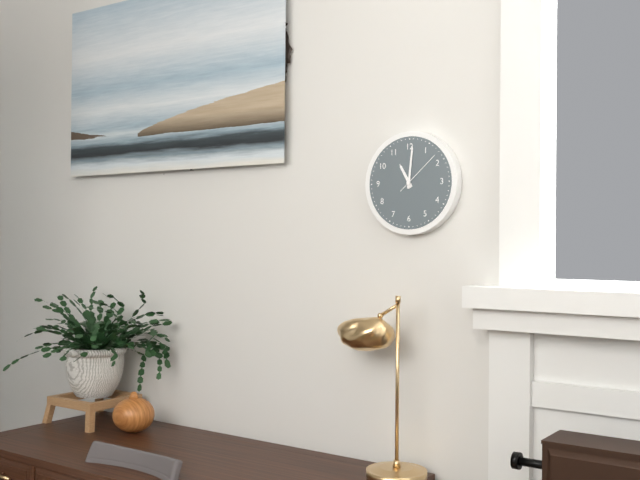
11:01
